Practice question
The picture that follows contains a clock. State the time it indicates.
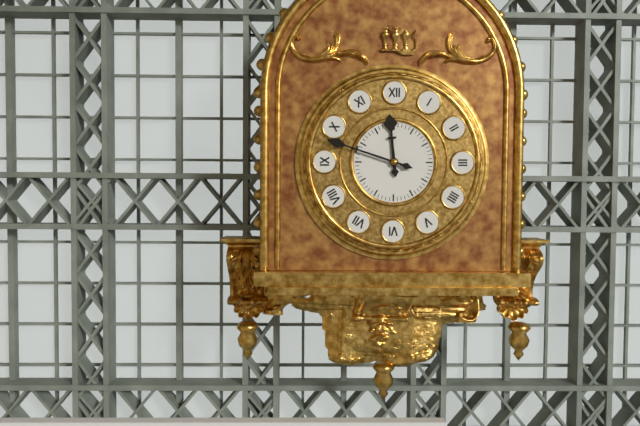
11:48
